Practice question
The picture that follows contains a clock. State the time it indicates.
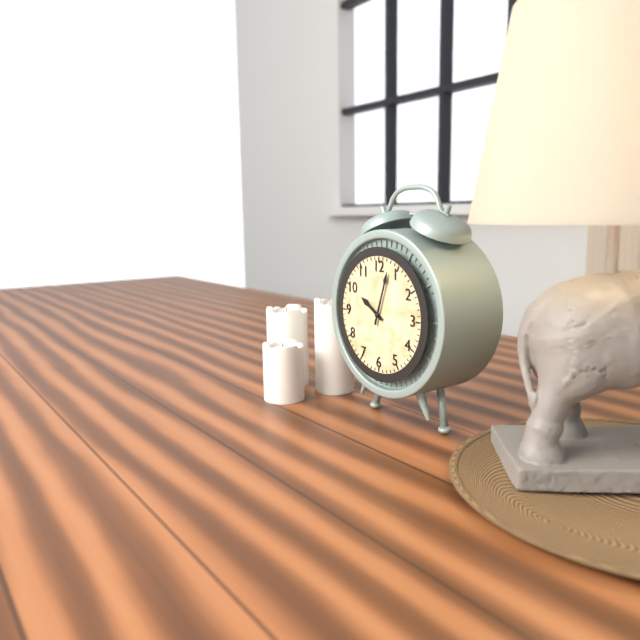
10:03
